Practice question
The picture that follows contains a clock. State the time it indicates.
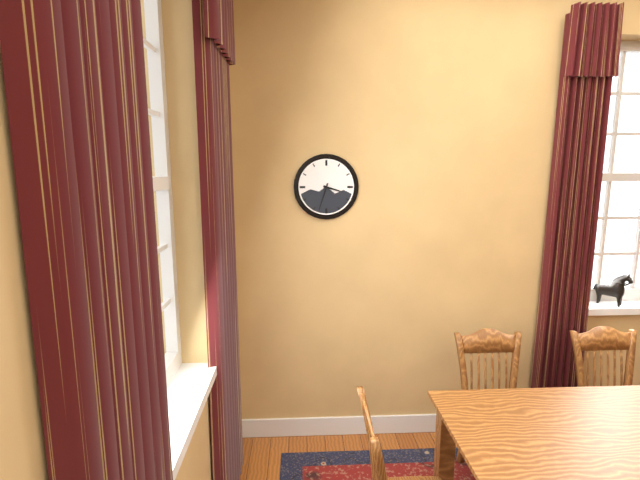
3:33
